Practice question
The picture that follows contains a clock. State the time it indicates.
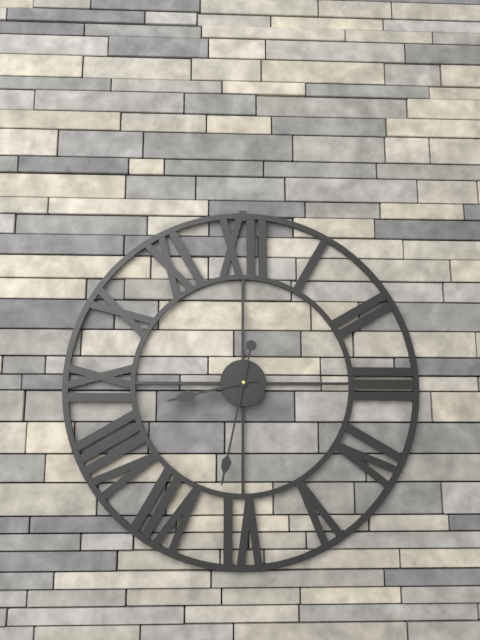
8:32
